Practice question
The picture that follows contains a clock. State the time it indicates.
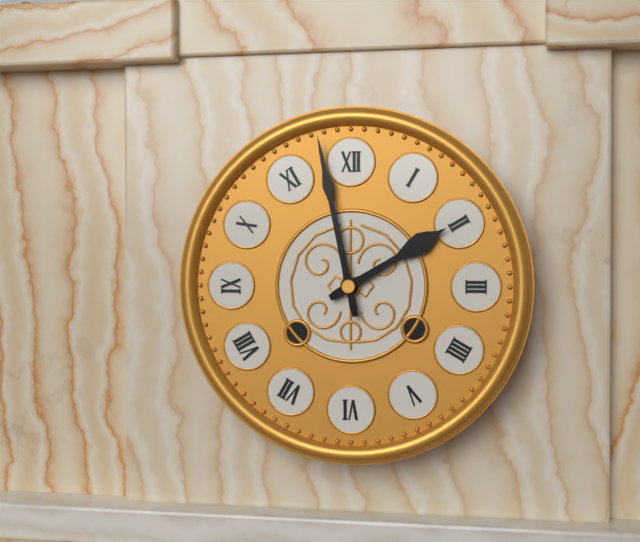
1:58
